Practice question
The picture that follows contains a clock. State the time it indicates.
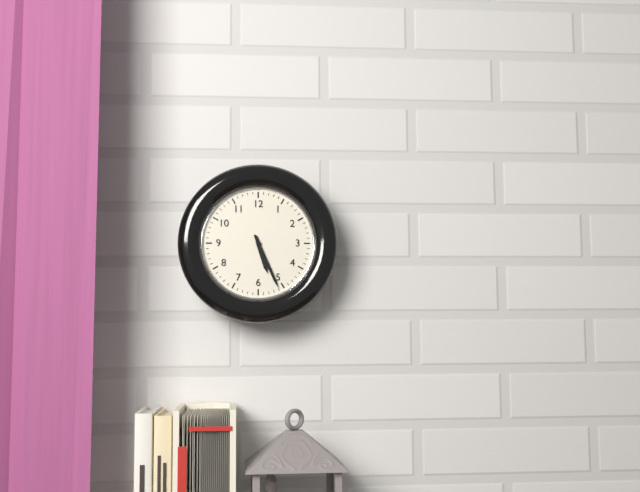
5:26
